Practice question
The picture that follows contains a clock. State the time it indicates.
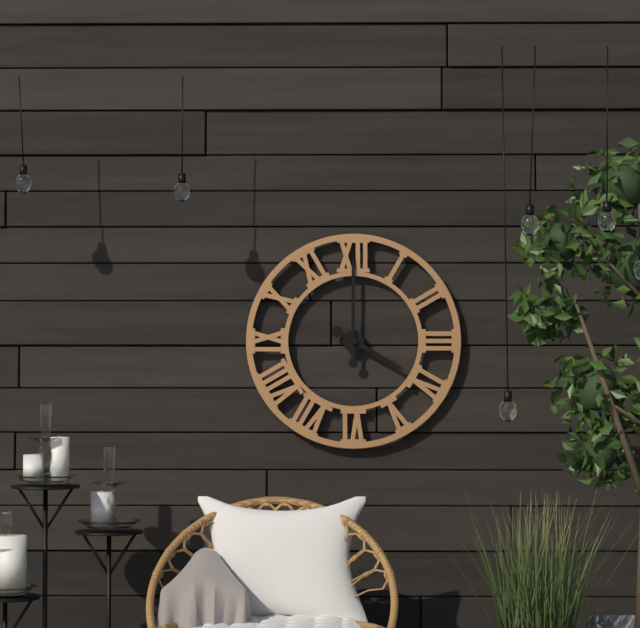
4:00
